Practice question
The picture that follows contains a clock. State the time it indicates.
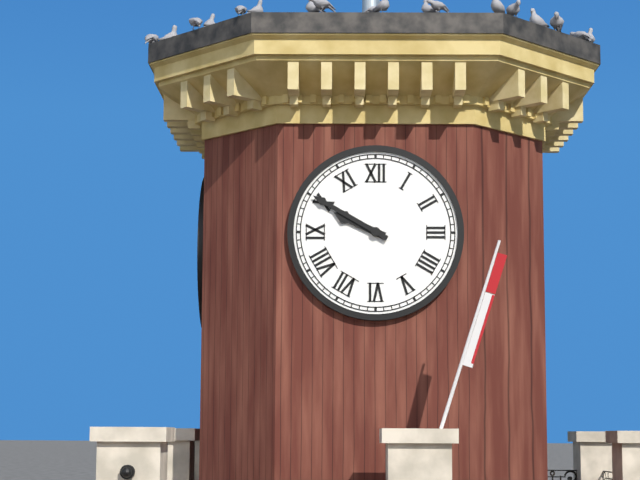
9:50
